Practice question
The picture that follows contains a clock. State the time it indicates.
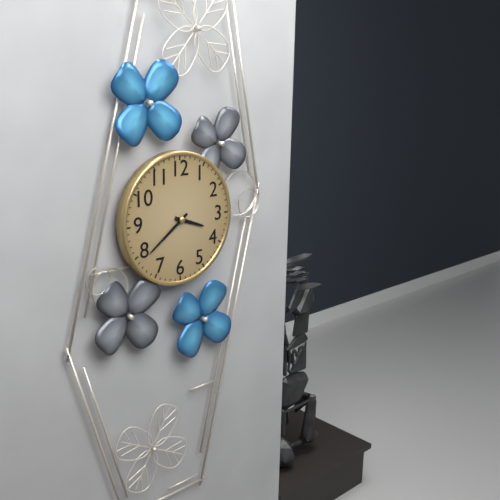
3:39
